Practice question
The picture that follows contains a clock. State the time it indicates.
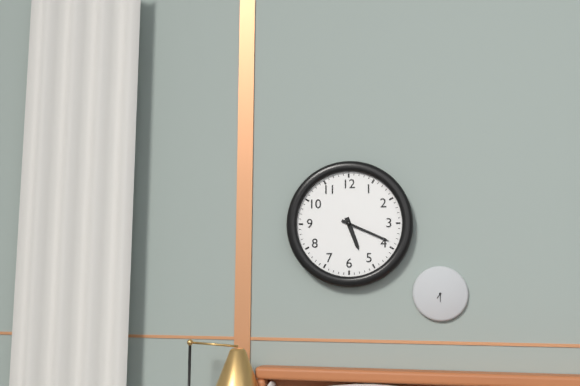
5:19
